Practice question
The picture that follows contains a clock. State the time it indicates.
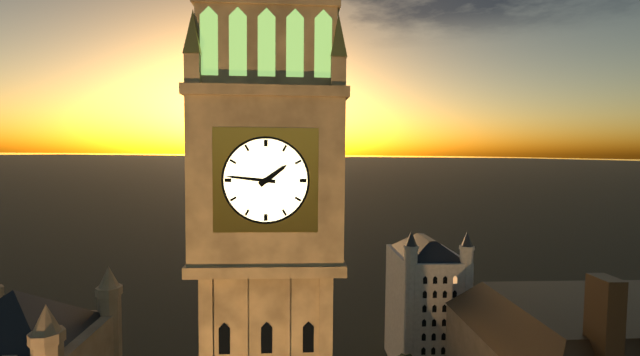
1:46
